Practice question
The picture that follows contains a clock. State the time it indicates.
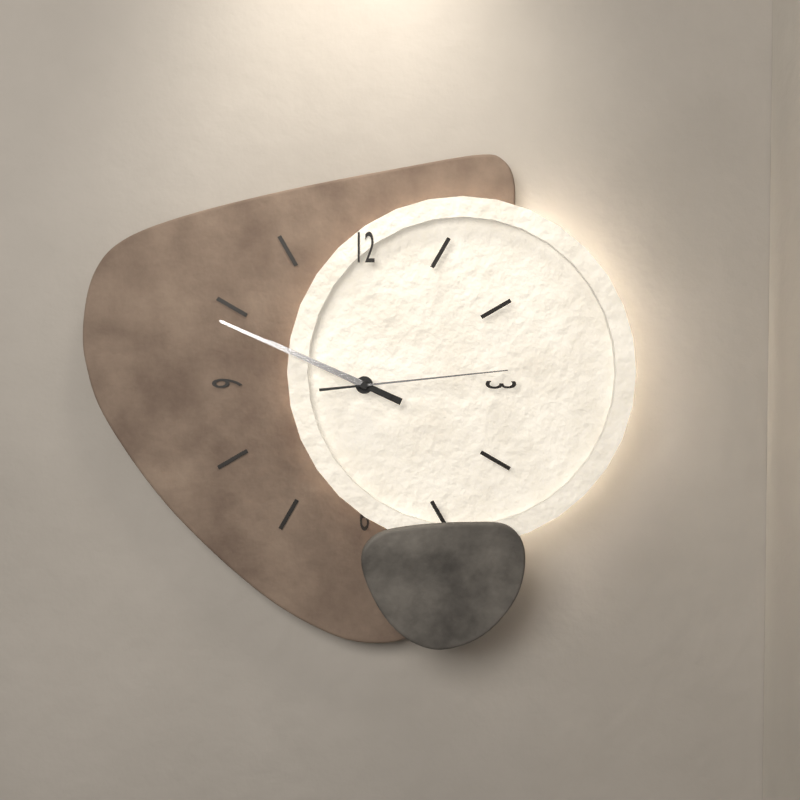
9:49:14
